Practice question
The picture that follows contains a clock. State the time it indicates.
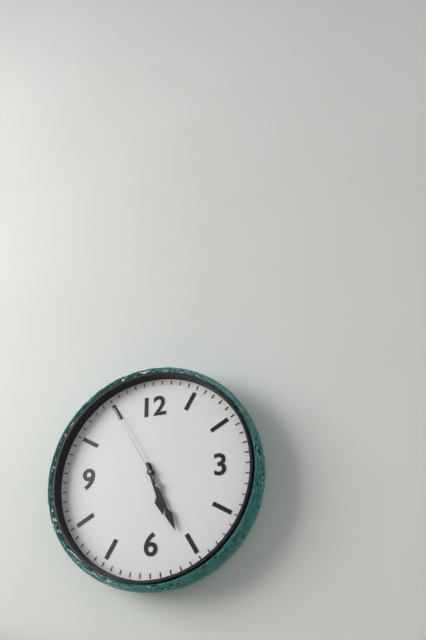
5:26:55
